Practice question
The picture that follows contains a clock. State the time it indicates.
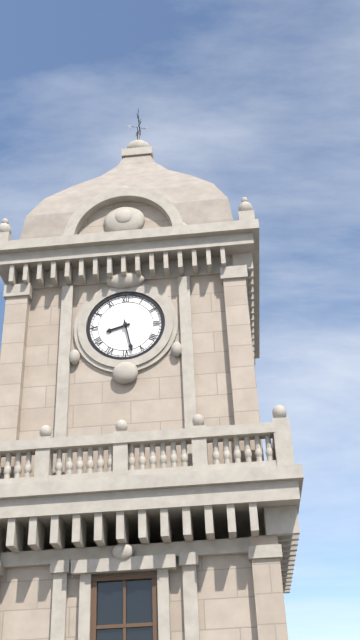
8:28
